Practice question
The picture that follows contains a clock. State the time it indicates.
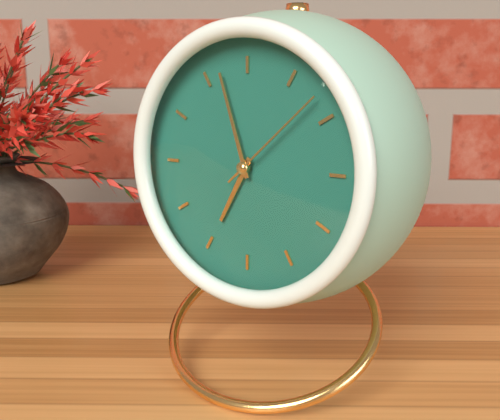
6:57:08
